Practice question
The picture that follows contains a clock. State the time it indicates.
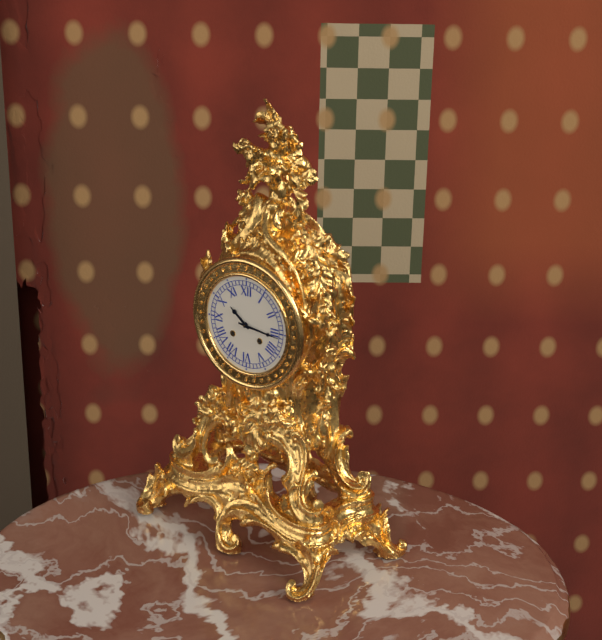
10:16
